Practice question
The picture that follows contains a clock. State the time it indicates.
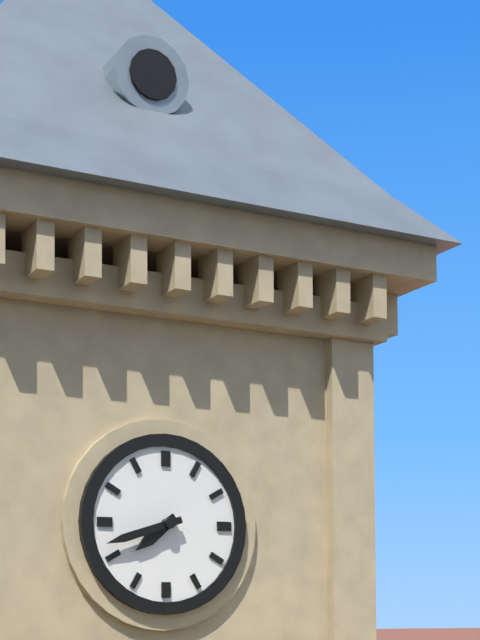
7:42
